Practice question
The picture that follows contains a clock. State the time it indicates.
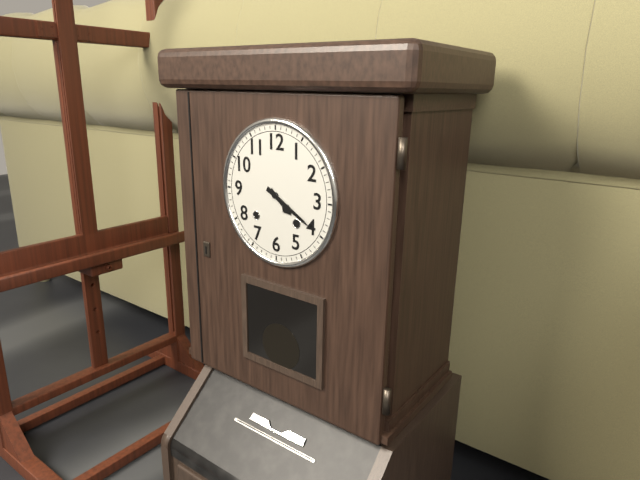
4:20
